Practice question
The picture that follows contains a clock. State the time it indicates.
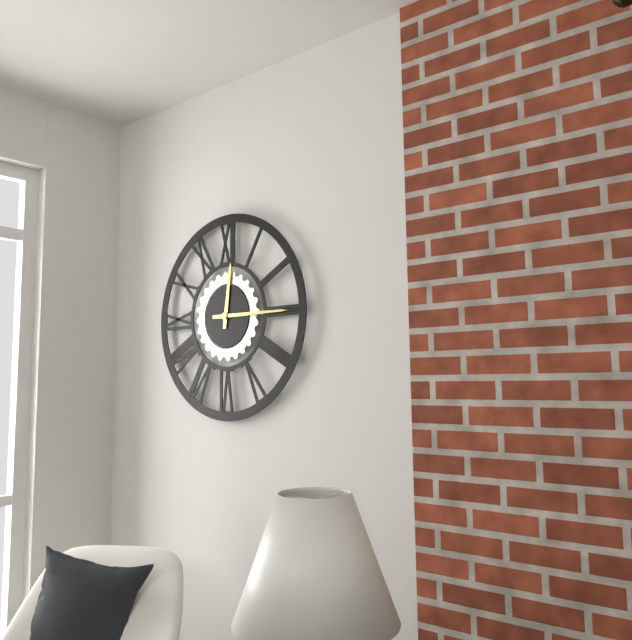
12:15
